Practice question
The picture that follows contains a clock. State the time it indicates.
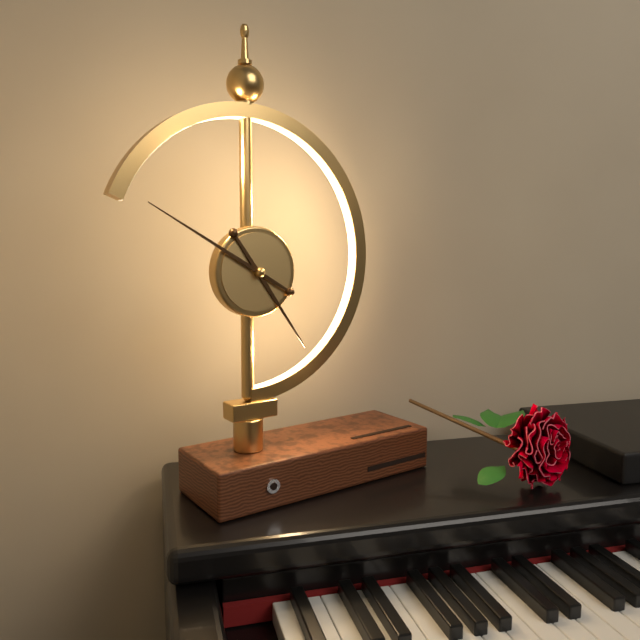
4:50
